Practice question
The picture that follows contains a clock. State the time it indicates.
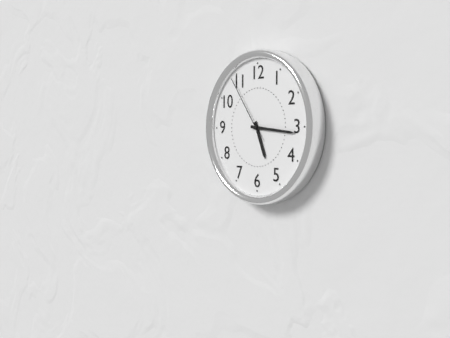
5:16:54
